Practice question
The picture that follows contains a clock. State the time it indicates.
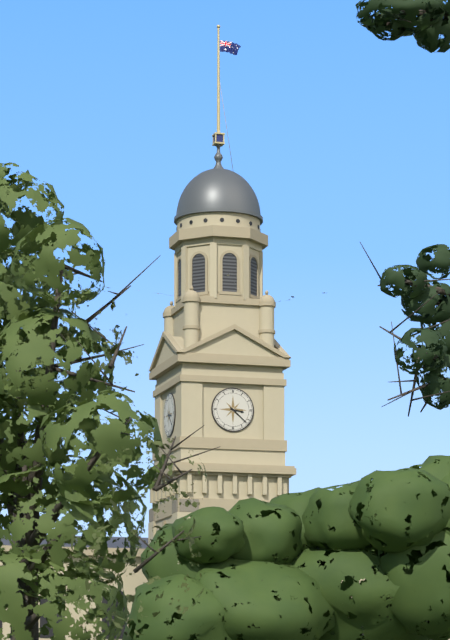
3:22
